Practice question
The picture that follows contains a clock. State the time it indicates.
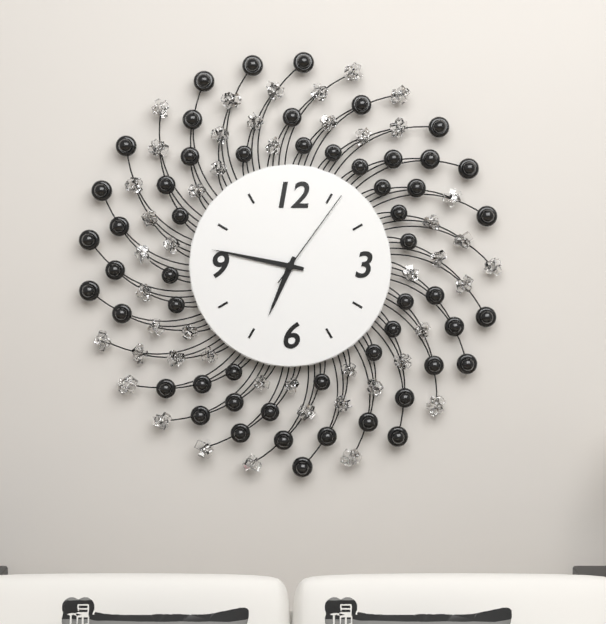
6:47:06
